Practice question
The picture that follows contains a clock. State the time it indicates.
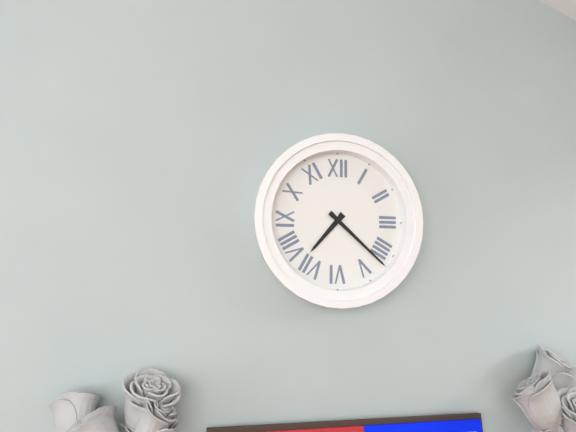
7:22
